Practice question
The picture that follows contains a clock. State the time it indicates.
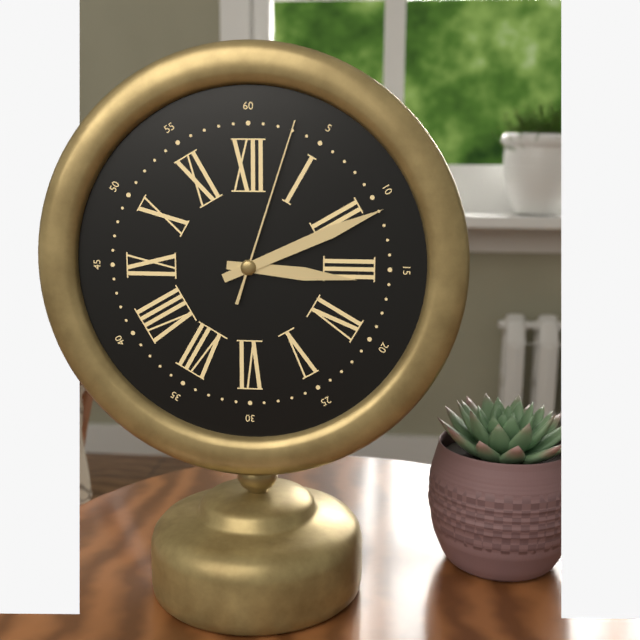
3:11:03
